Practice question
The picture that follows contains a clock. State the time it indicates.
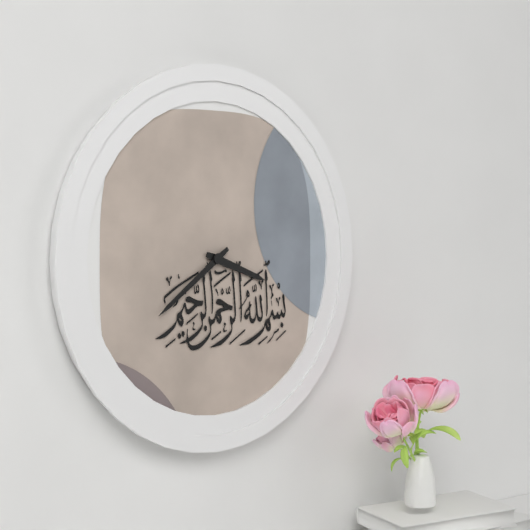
3:39
